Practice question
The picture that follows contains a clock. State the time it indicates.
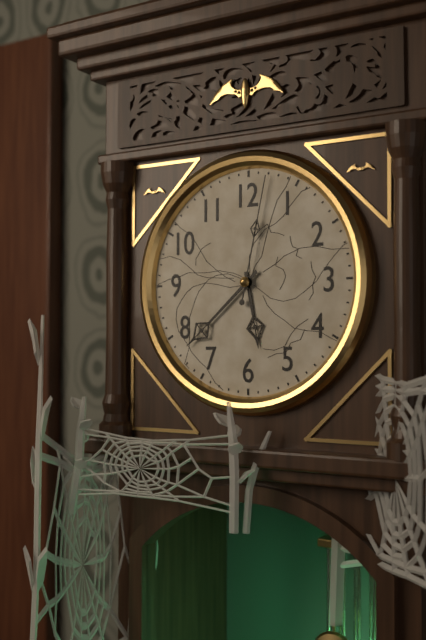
5:38:02
